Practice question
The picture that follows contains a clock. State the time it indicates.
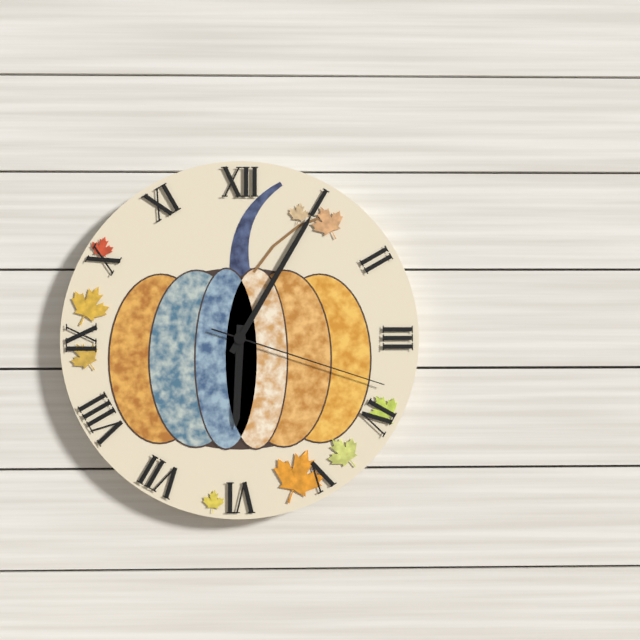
6:05:18
